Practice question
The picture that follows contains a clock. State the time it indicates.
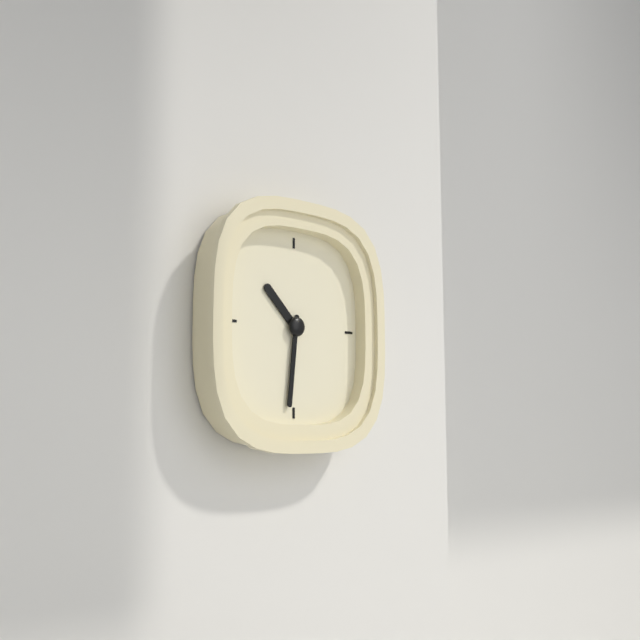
10:31
